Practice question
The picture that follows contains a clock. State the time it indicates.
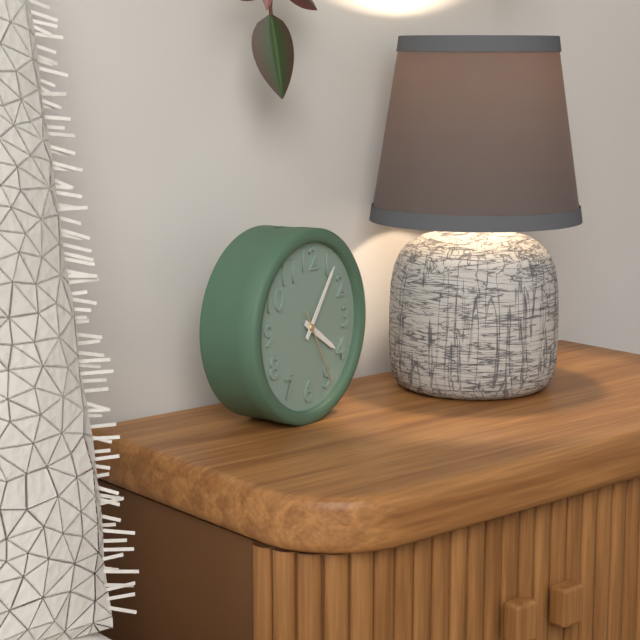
4:06:25
